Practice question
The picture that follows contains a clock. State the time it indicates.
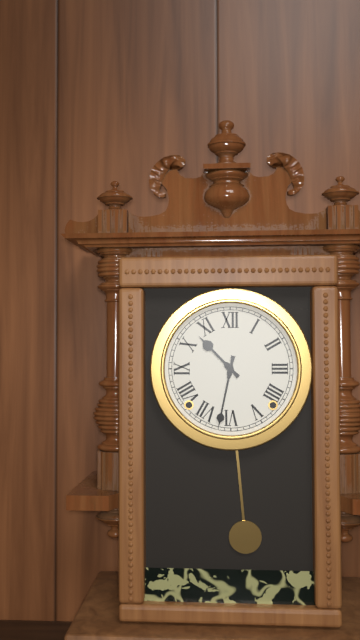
10:32
